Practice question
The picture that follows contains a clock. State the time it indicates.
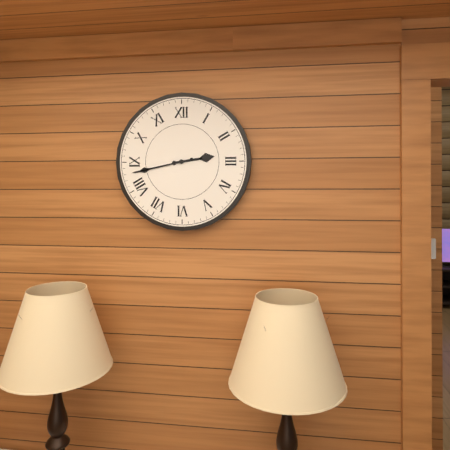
2:43
